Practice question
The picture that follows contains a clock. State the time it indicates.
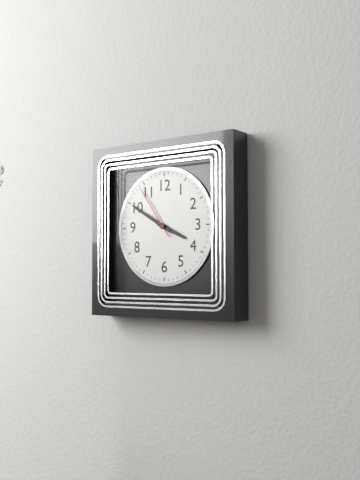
3:50:54
